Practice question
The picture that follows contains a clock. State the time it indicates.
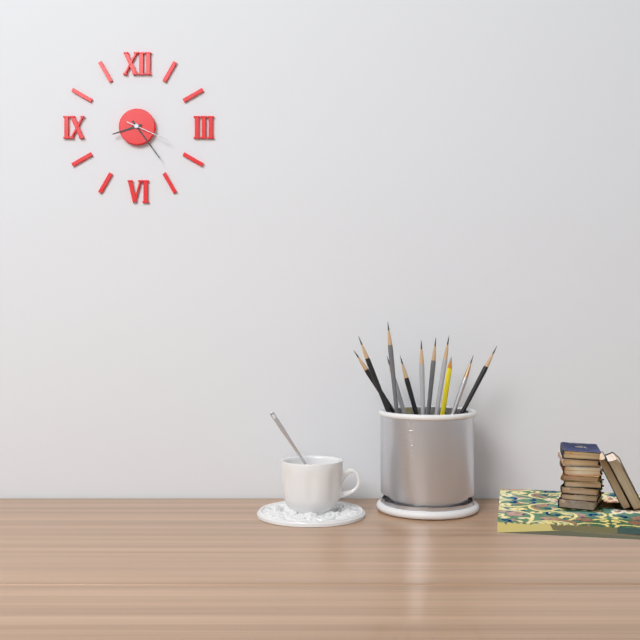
8:24
